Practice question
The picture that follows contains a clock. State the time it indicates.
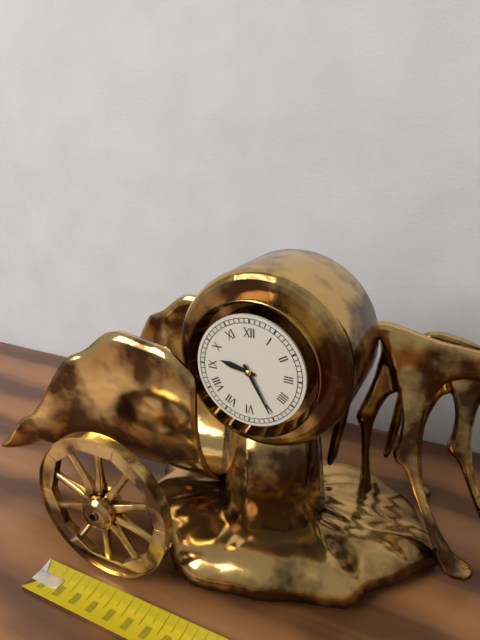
9:25
